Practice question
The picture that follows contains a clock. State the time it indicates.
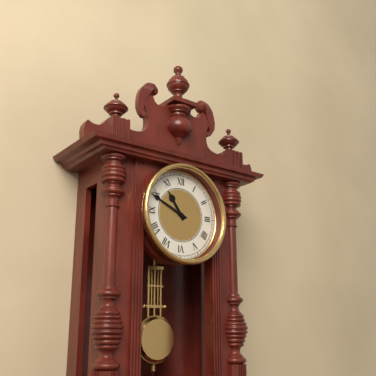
10:49
